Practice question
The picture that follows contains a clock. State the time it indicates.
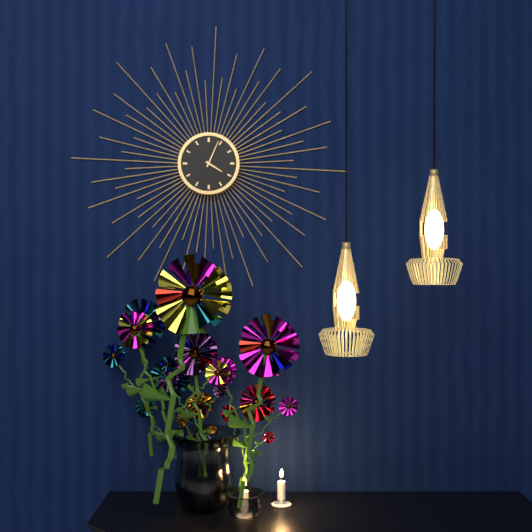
4:04
